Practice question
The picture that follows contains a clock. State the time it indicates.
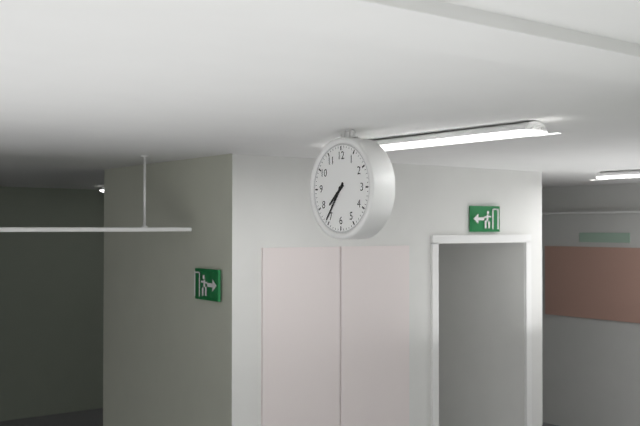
7:36
